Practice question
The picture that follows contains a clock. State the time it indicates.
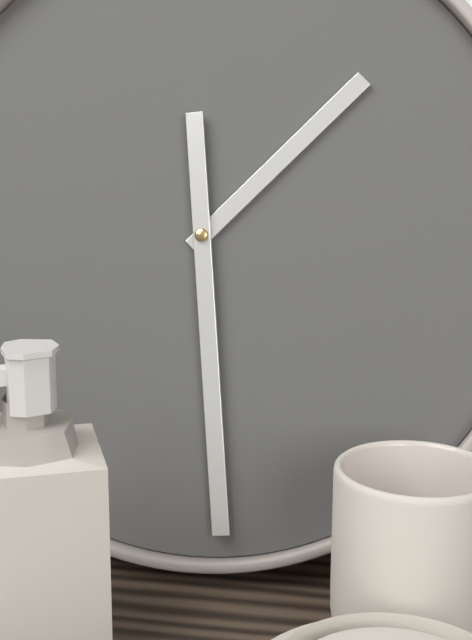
1:29
